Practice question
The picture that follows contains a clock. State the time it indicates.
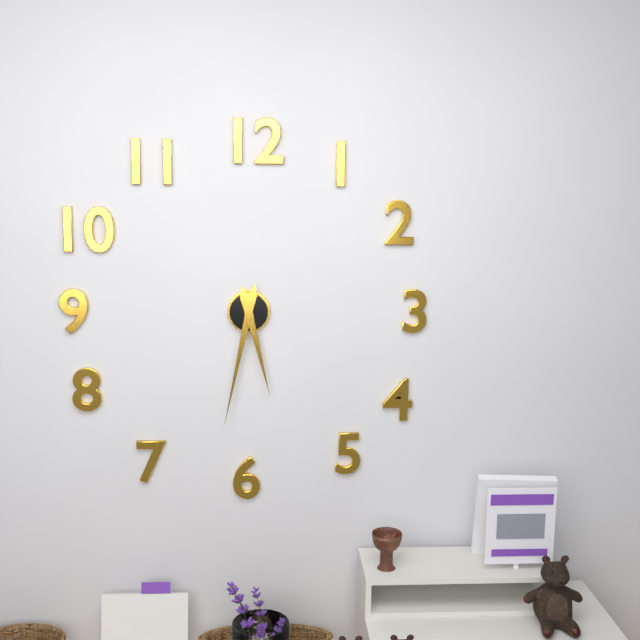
5:32
